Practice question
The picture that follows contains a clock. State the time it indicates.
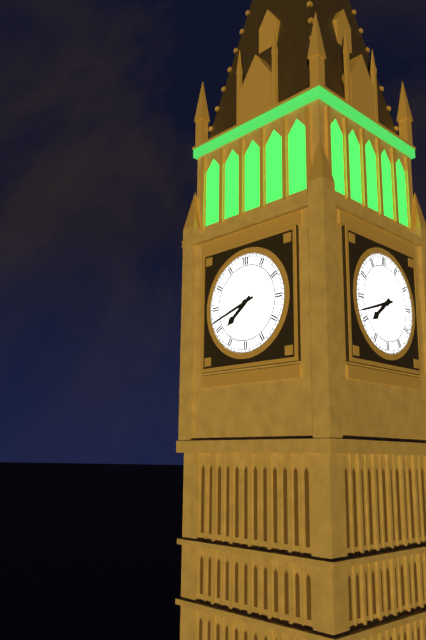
7:42
